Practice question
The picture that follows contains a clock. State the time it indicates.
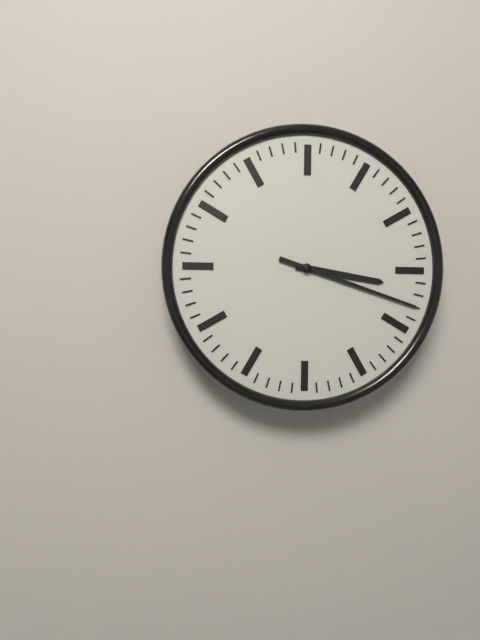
3:18
